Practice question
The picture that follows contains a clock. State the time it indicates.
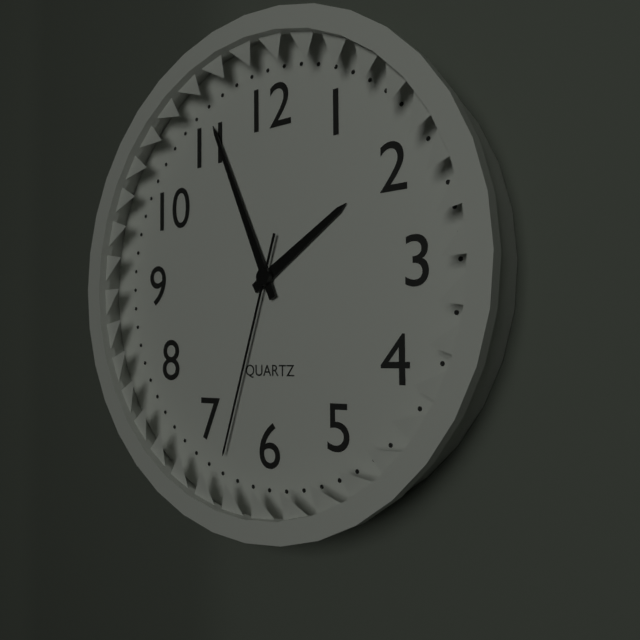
1:56:33
